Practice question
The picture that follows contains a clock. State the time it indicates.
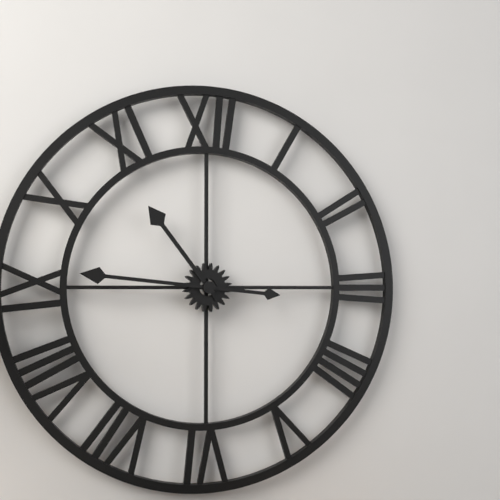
10:46
